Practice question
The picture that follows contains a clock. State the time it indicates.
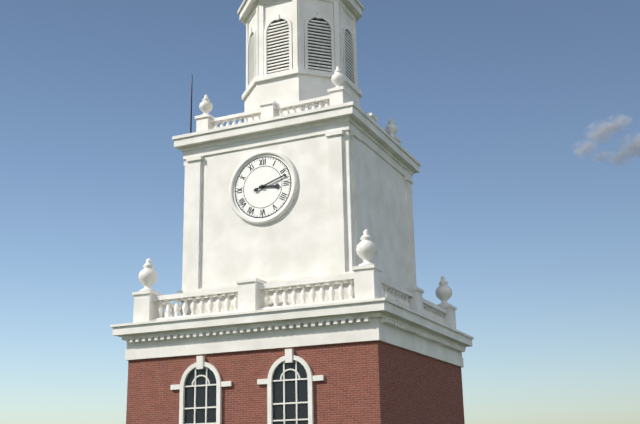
3:12
